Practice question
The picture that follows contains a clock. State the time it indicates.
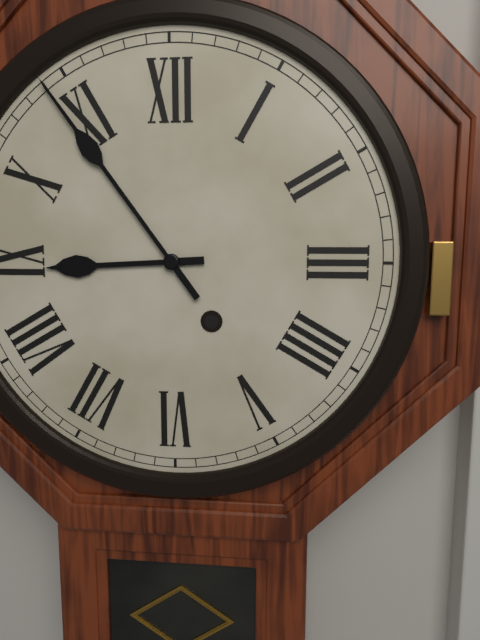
8:54
